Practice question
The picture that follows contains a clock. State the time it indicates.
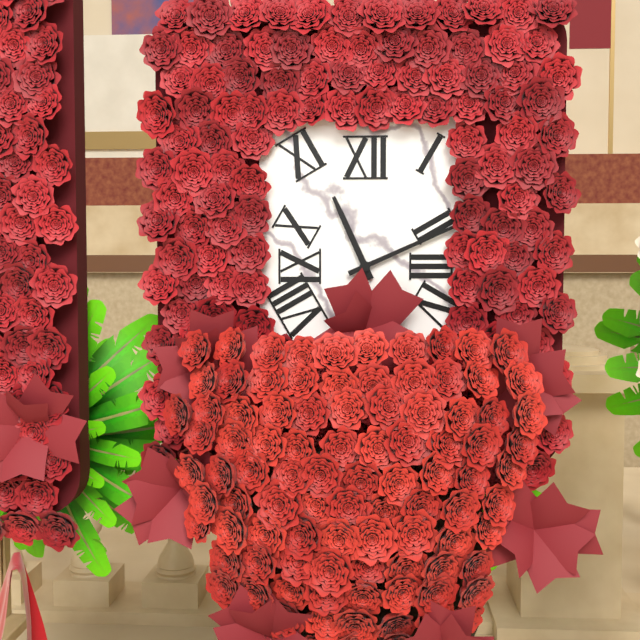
11:11
